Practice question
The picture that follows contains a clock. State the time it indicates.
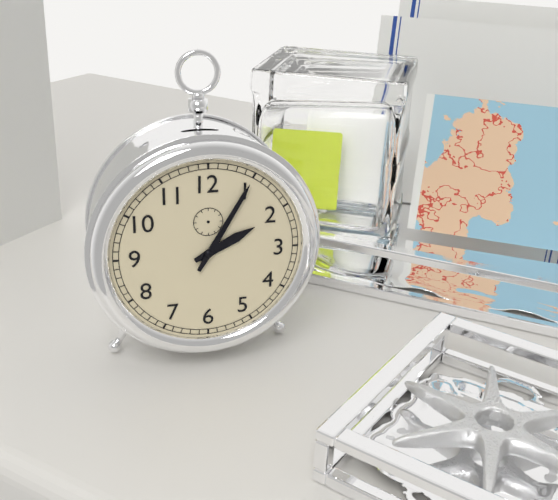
2:05
